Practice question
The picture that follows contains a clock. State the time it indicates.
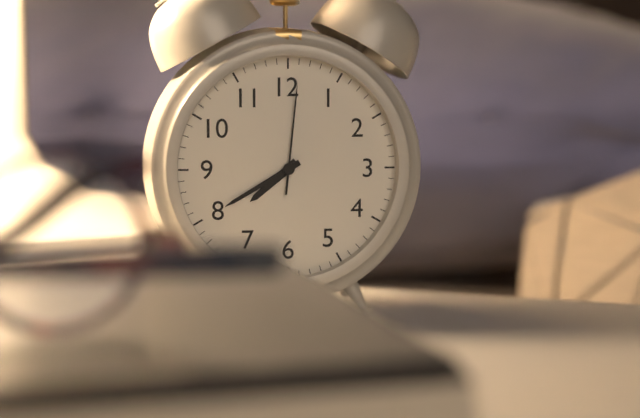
7:40:01
